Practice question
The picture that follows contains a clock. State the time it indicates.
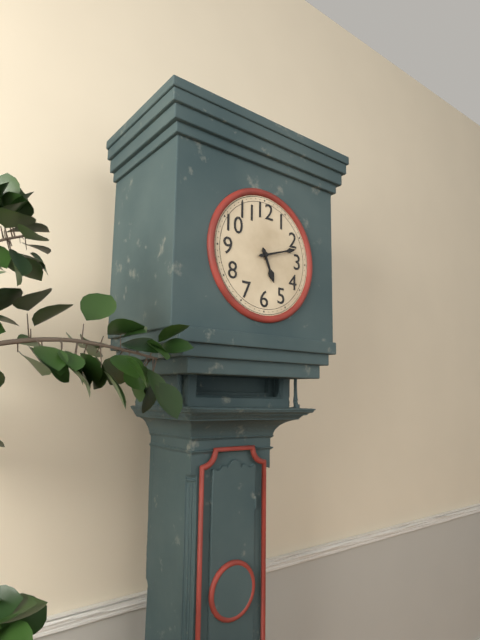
5:12
